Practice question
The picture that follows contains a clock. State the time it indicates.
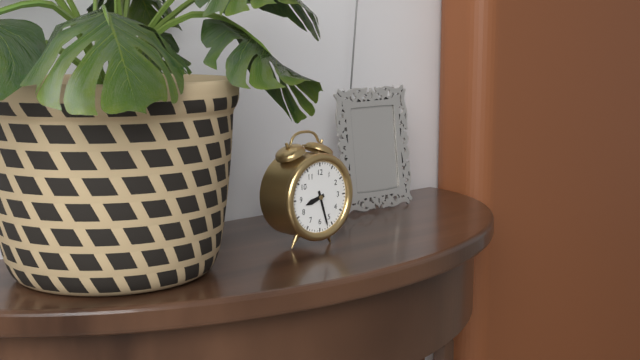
8:27
